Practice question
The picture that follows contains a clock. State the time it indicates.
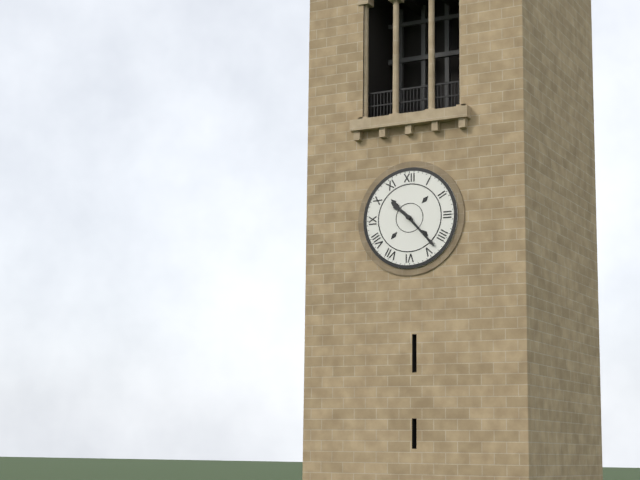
10:23
